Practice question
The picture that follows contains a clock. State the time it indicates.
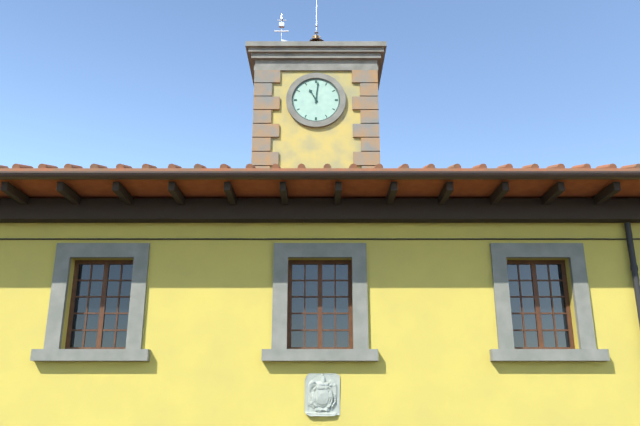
11:01
